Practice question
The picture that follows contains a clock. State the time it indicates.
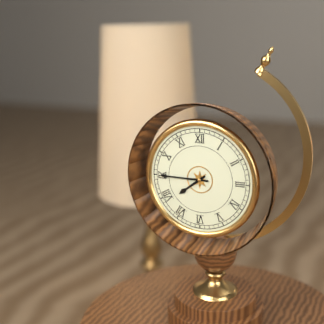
7:45
